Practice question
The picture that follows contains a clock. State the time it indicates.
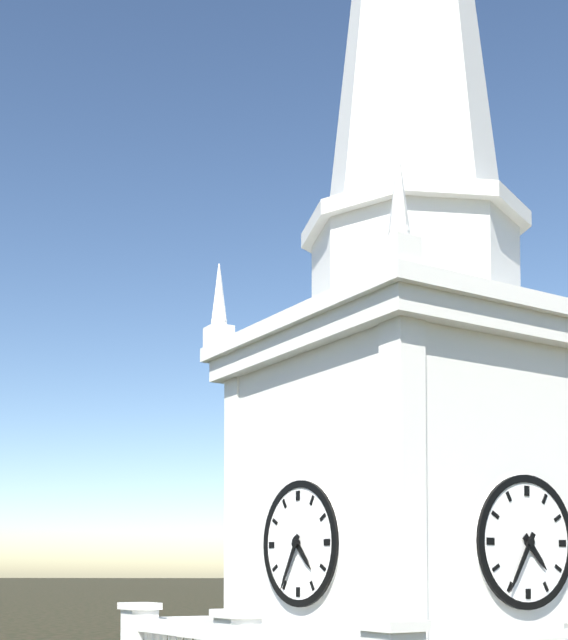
4:35
